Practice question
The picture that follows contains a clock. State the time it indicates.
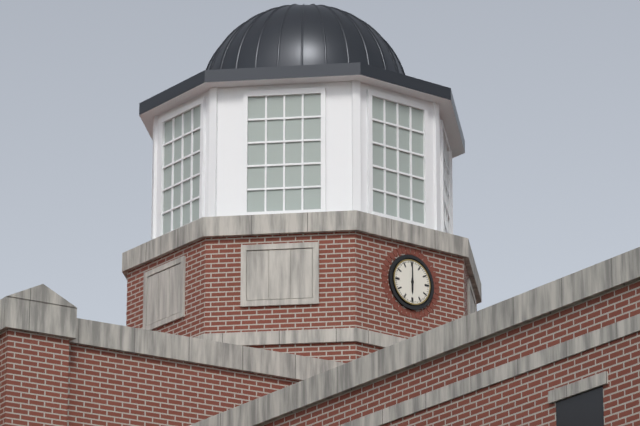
6:00
